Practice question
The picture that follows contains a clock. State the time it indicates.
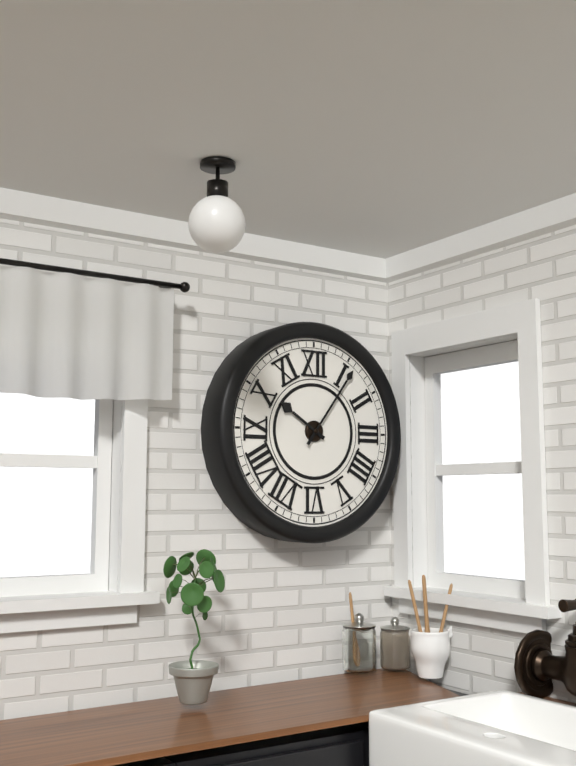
10:06
